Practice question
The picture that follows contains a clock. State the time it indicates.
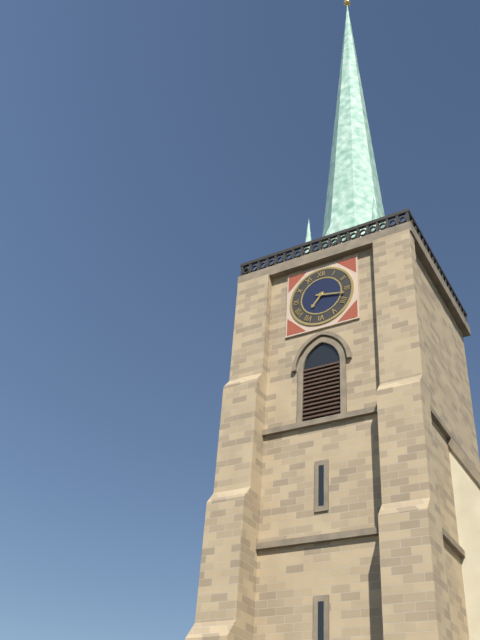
7:17
